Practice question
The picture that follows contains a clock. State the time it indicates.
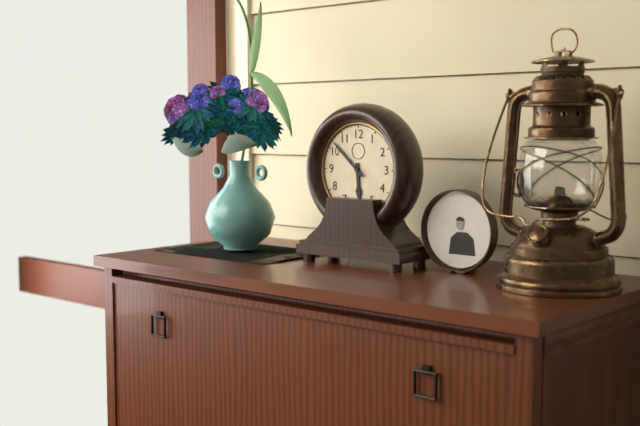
5:52
